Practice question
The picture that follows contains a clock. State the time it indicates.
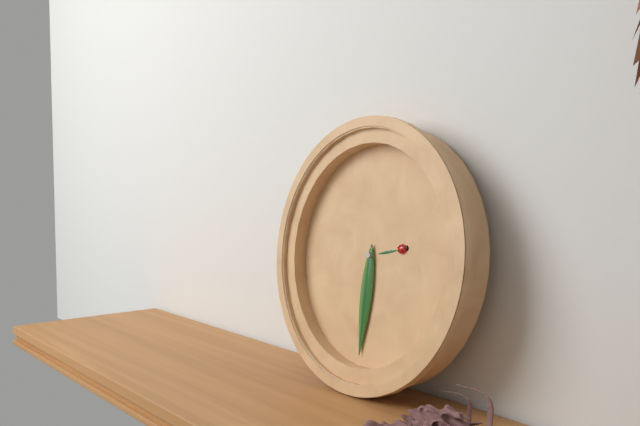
2:30
